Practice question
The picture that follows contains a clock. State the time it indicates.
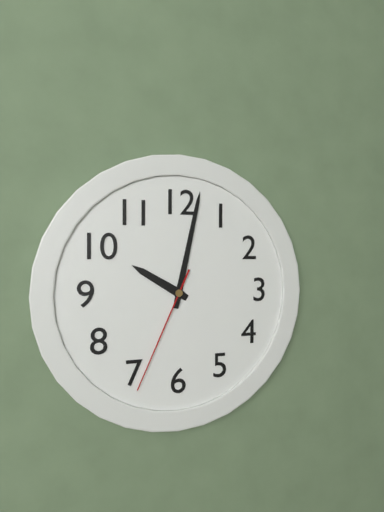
10:02:34
